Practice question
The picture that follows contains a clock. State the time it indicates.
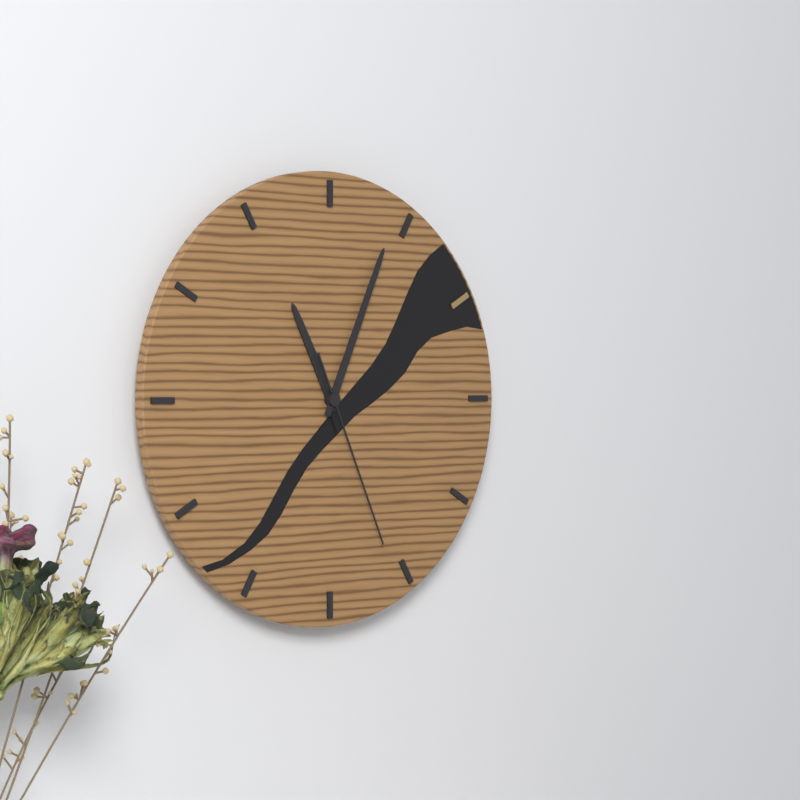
11:04:26
